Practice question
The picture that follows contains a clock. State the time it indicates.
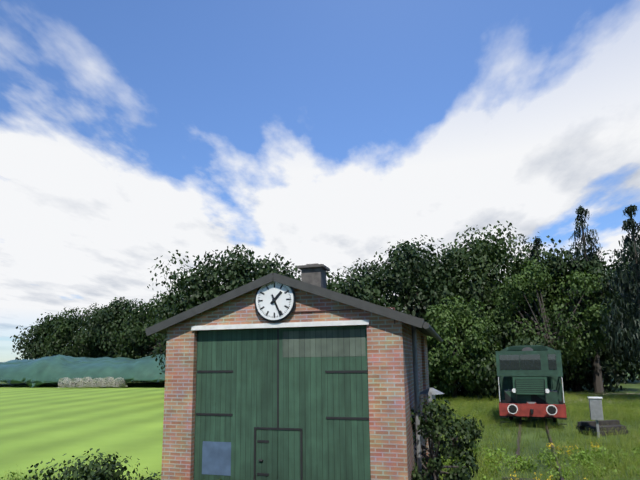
1:26
